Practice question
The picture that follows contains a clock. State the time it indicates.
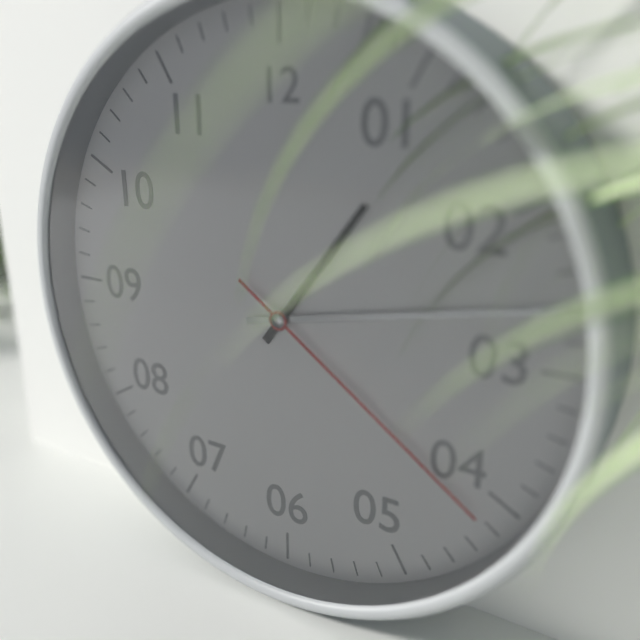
1:13:21
